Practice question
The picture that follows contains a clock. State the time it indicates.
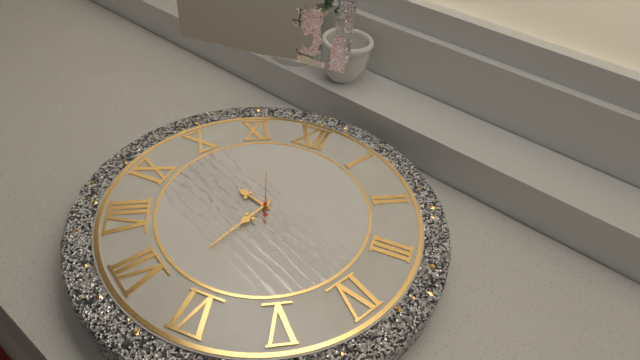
9:33
